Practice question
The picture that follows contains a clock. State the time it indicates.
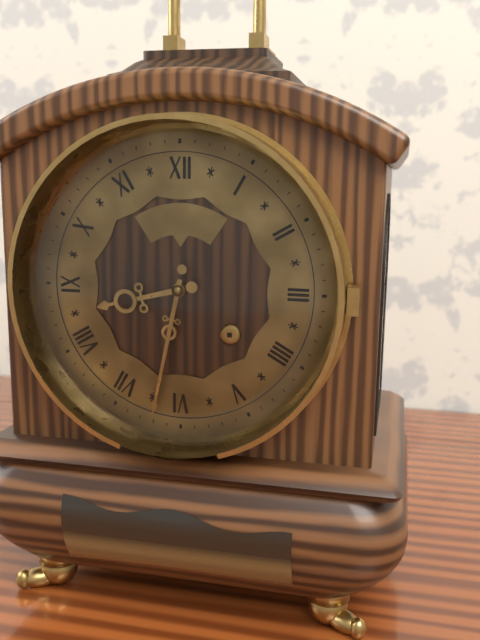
8:32
